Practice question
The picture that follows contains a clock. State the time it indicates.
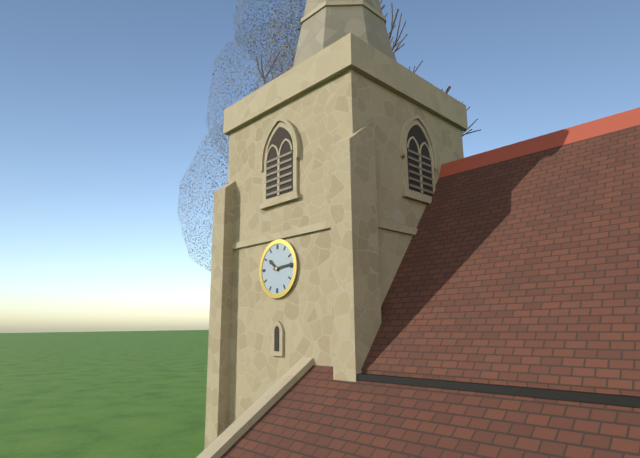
10:14
